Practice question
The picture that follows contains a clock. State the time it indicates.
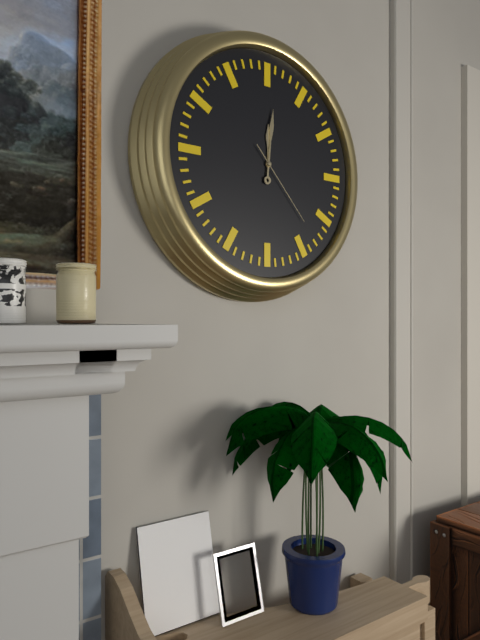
12:01:23
